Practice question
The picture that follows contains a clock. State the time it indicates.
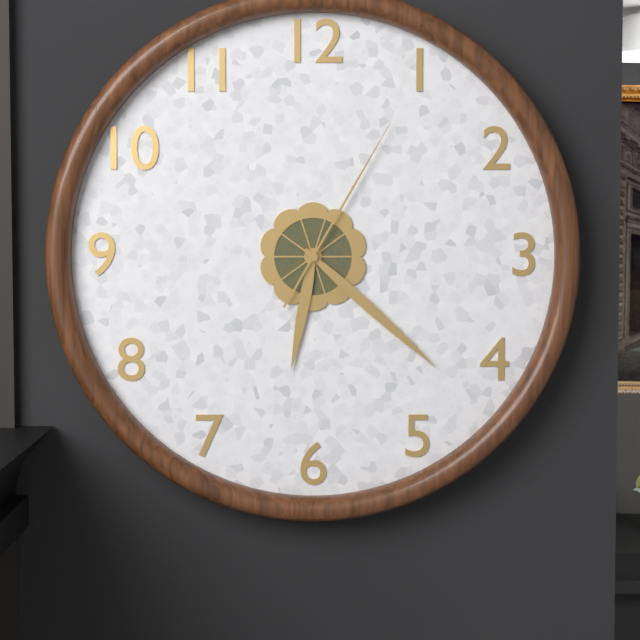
6:22:05
